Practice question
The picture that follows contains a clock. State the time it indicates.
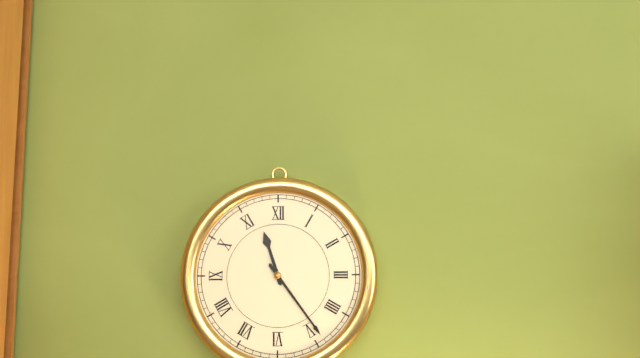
11:24
